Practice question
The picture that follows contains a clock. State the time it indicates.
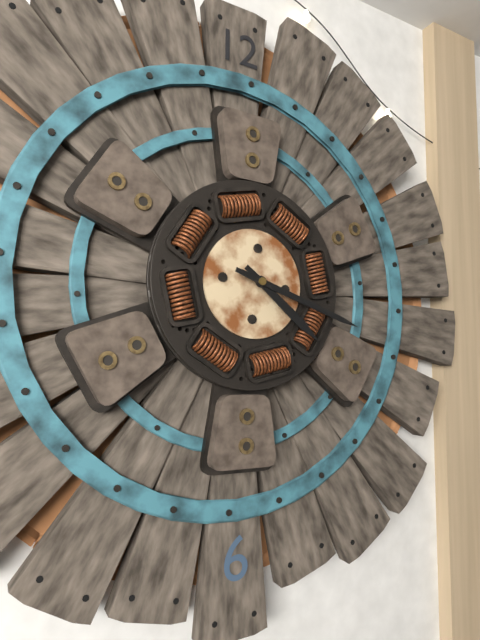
4:18
